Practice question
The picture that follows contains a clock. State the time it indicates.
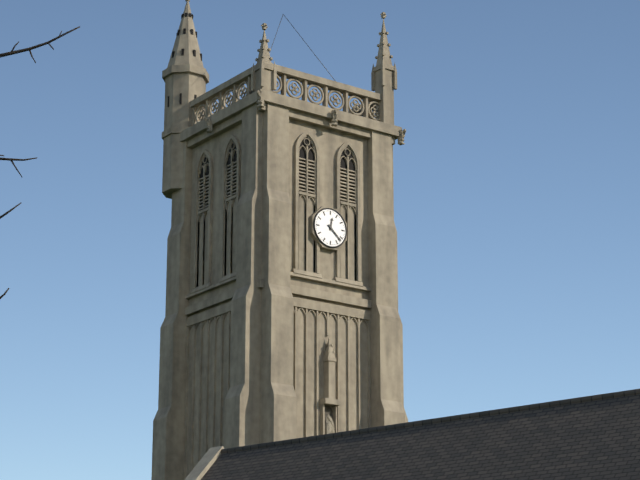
12:22
